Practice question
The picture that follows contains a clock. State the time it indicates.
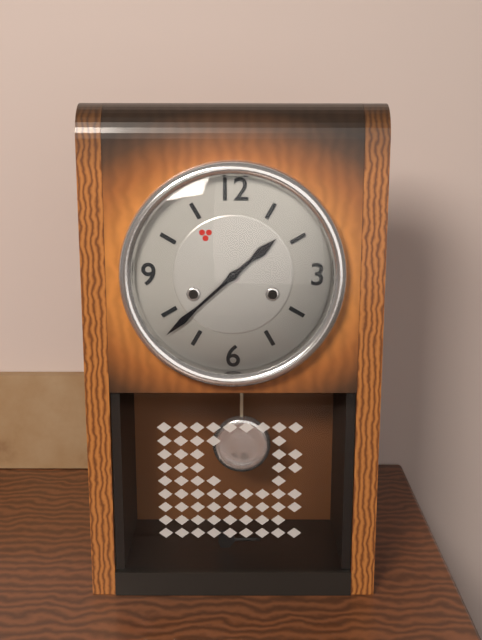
1:38
